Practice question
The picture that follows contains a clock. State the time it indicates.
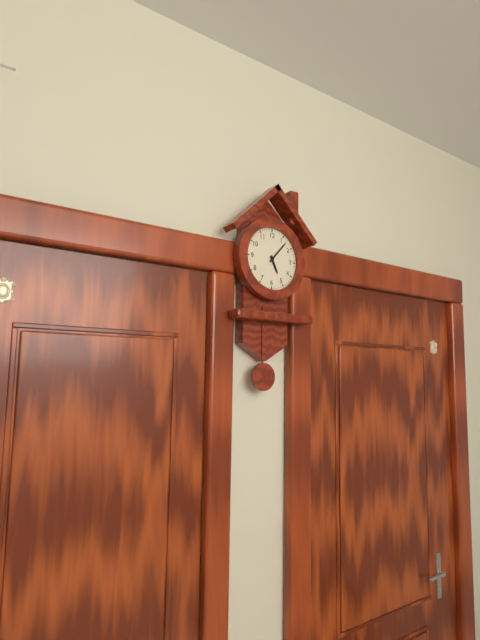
5:07
